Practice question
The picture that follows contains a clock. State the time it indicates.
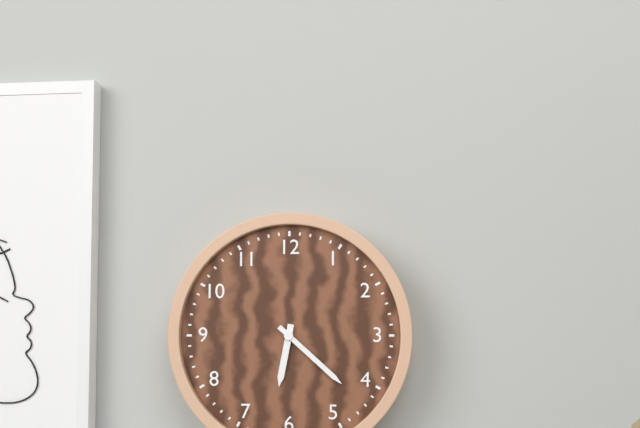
6:22
